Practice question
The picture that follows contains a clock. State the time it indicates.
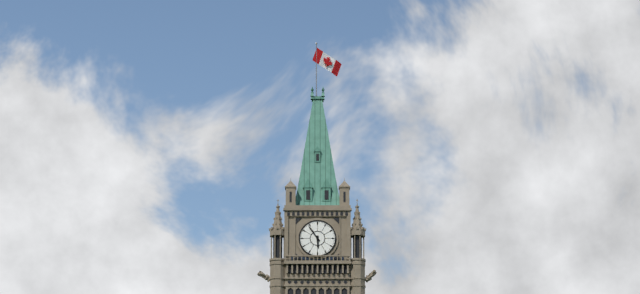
5:54
